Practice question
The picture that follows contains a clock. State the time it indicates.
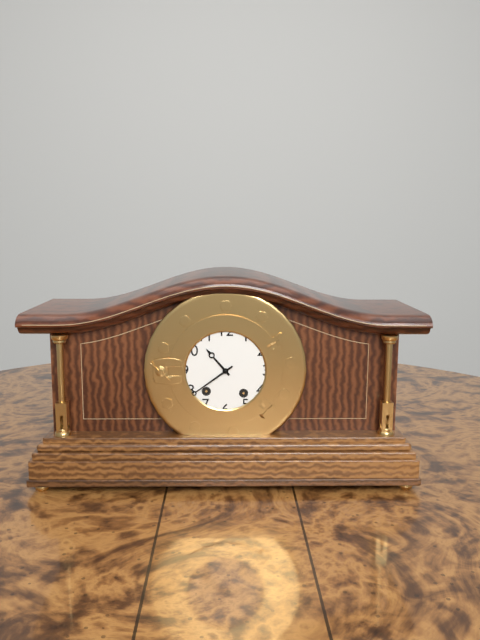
10:39
